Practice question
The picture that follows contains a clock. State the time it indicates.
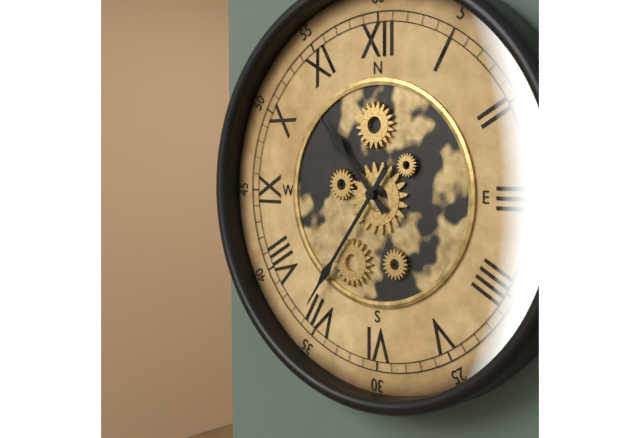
10:36
